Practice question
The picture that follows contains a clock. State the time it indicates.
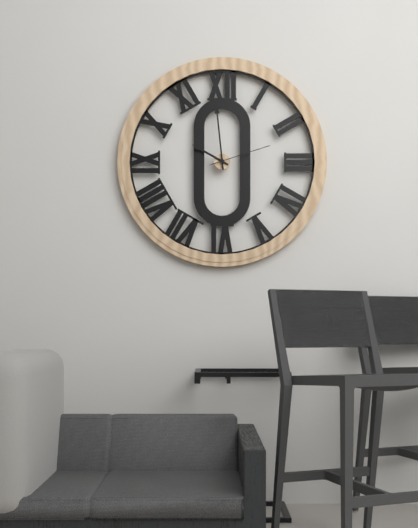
9:59:12
